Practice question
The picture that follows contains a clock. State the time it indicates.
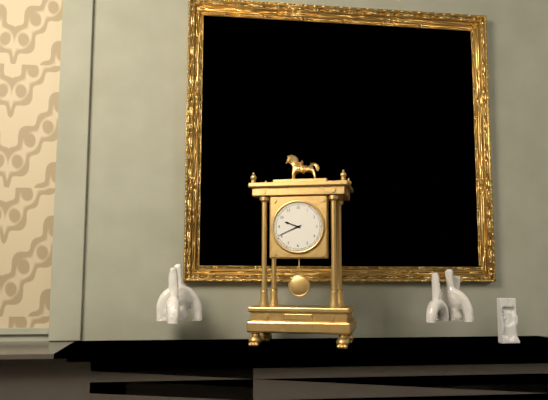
9:41
